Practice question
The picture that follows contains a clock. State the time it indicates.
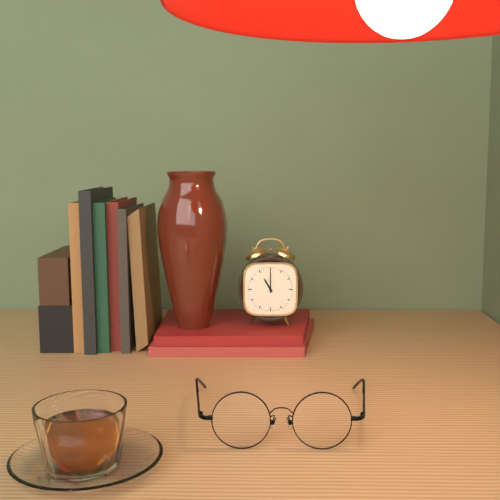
11:00
